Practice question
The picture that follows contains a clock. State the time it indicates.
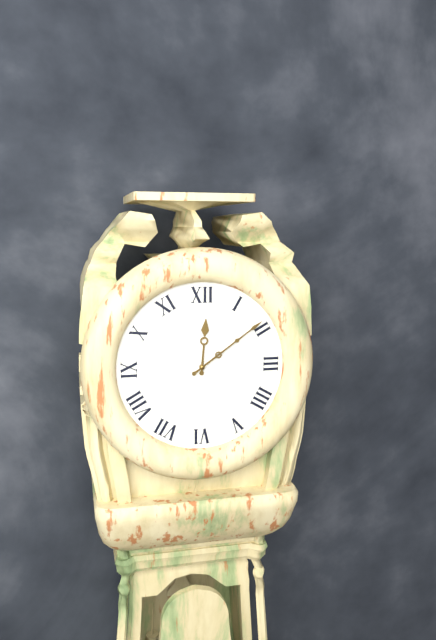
12:09
